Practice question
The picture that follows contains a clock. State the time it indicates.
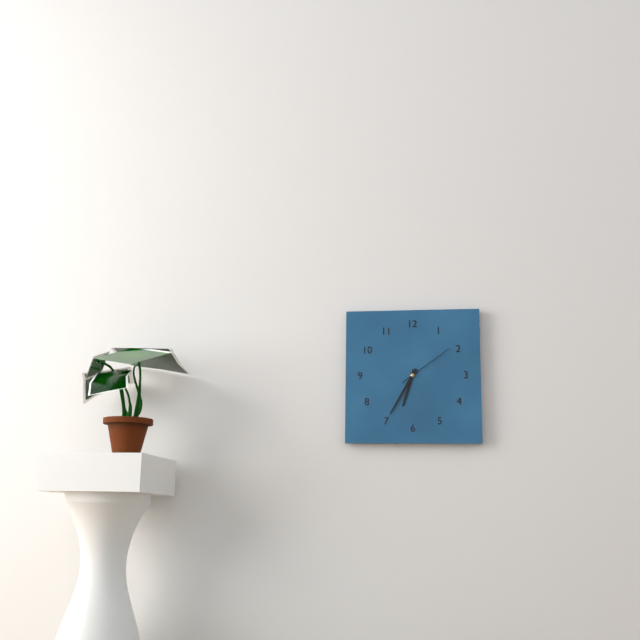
6:35:09
